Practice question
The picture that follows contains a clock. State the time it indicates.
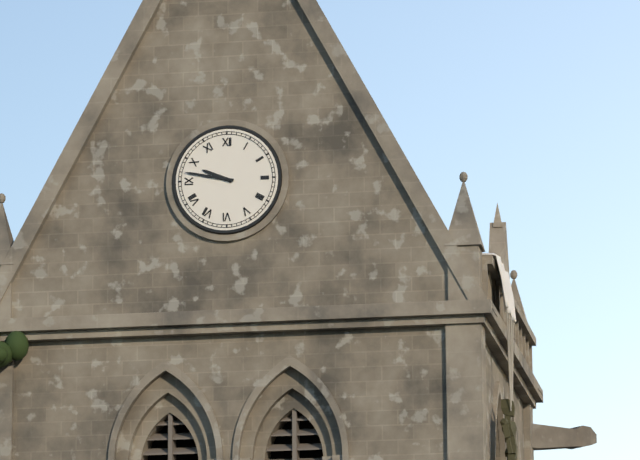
9:47
